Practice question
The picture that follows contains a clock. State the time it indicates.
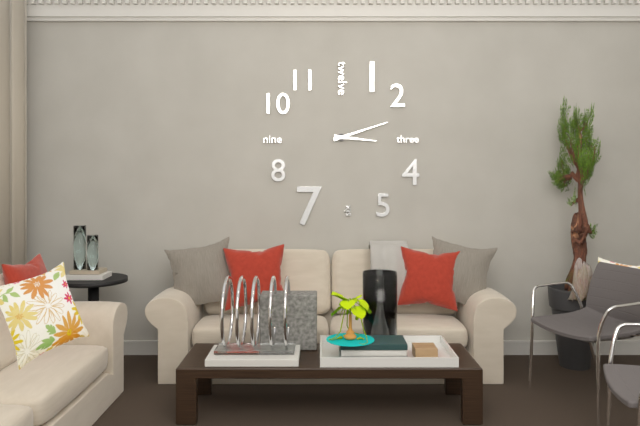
3:12
